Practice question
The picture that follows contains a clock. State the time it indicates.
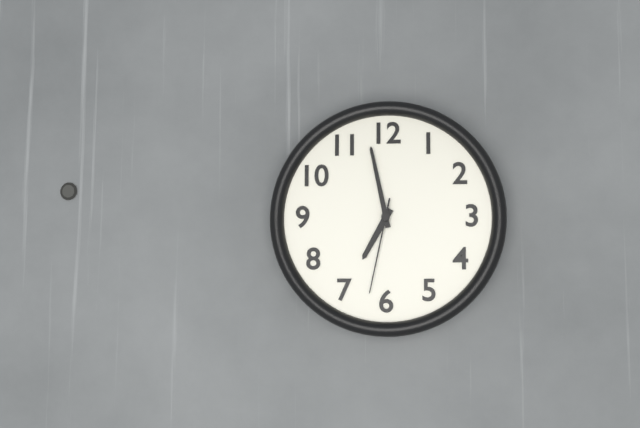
6:58:32
